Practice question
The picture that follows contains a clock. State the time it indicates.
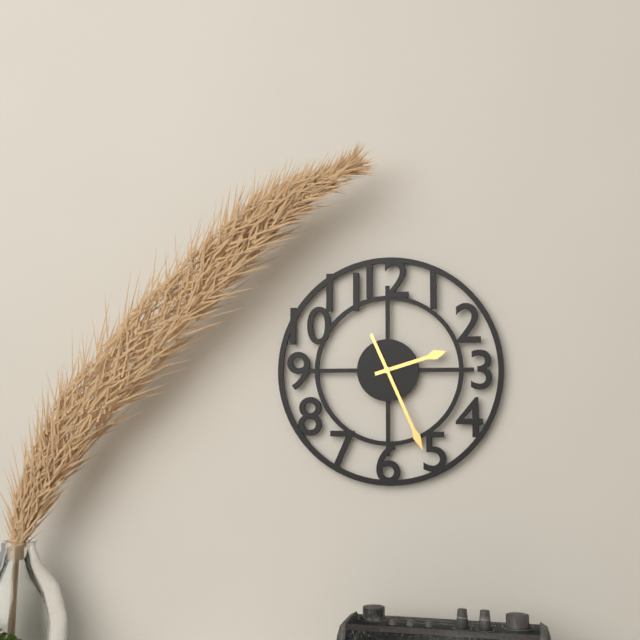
2:26
